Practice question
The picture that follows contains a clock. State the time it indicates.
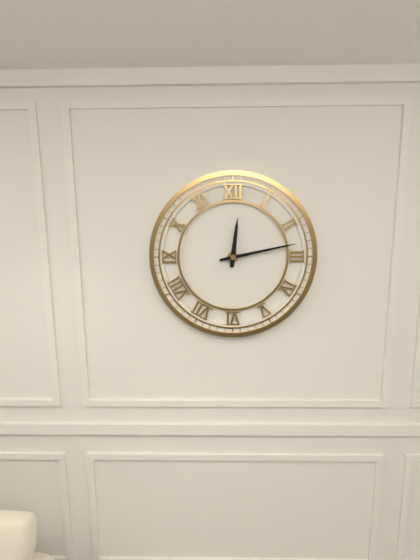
12:13
